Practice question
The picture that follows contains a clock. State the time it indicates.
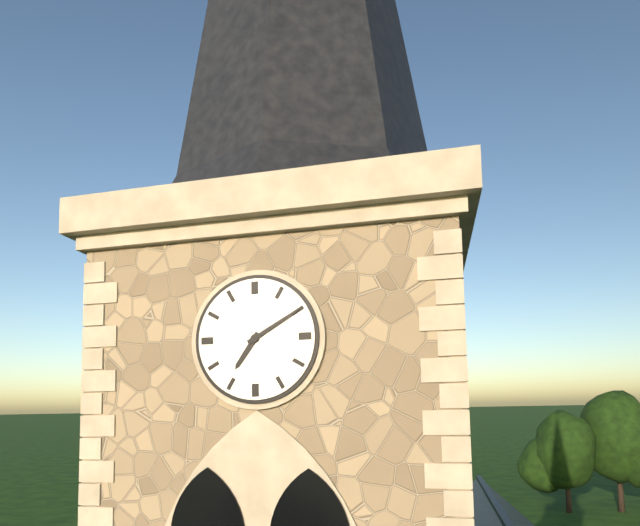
7:10
